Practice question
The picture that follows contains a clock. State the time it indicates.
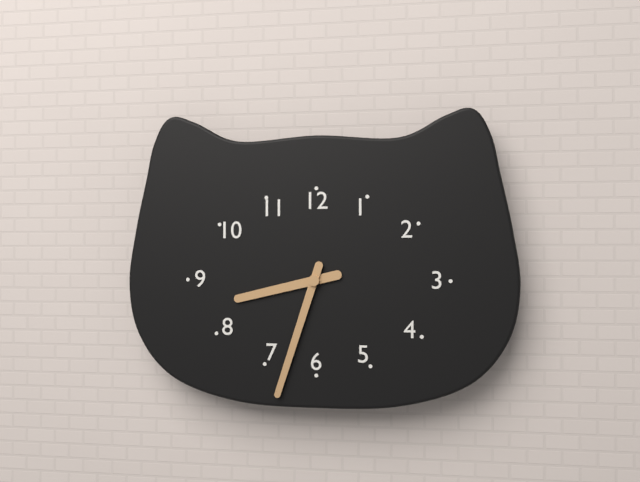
8:33
